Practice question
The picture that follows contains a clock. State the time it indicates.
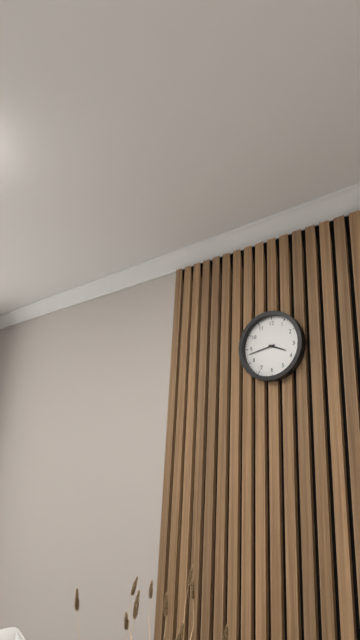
3:43
